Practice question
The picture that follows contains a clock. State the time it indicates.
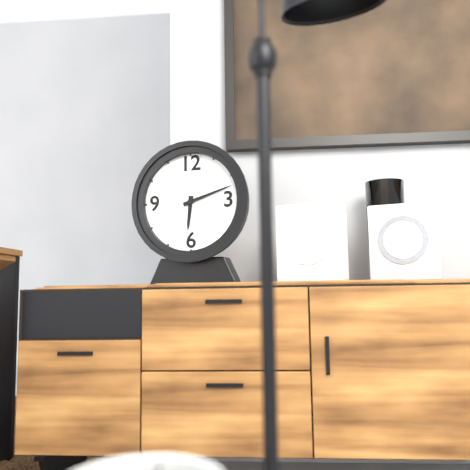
6:12
